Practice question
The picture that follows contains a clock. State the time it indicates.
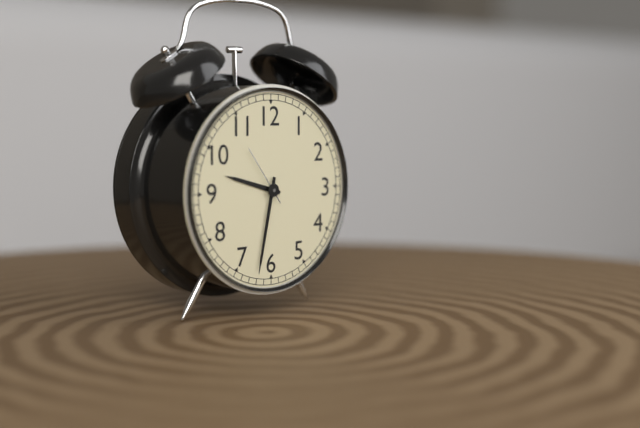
9:32:54
